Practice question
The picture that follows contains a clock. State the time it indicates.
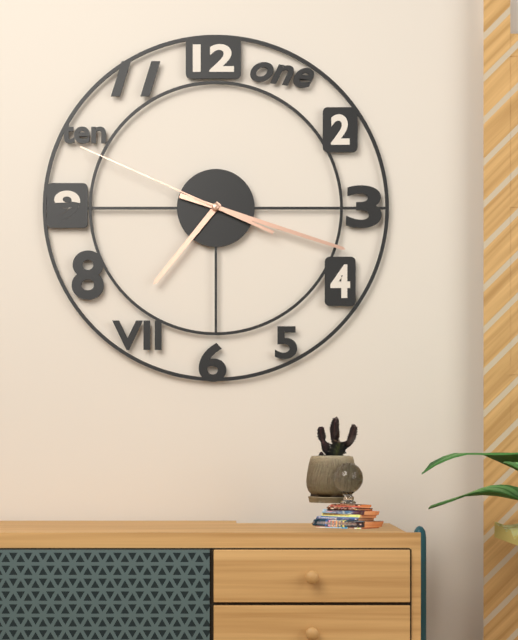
7:18:49
